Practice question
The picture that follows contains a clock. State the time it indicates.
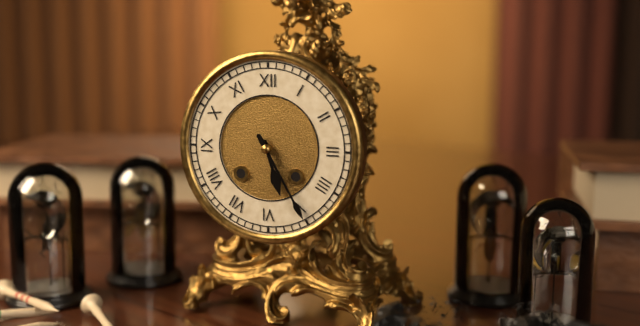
5:25
